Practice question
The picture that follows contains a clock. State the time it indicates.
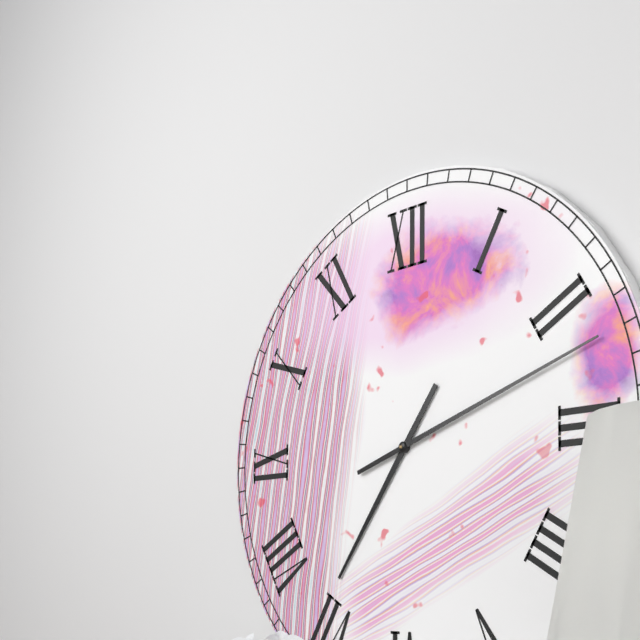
7:12
